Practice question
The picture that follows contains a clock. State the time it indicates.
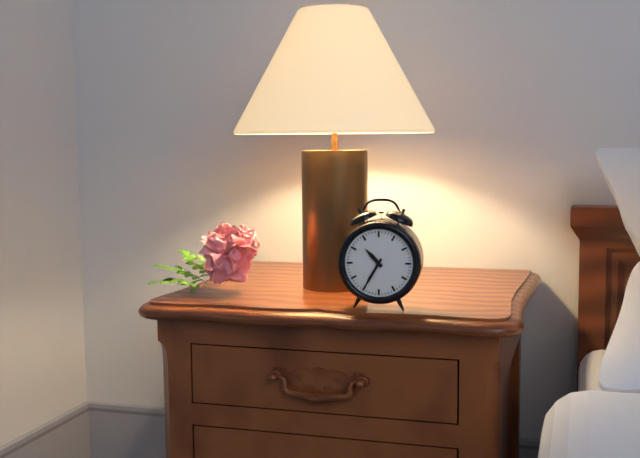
10:35
